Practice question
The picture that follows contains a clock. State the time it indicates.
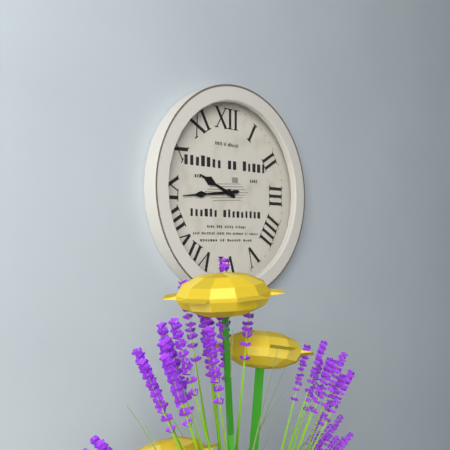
9:44
